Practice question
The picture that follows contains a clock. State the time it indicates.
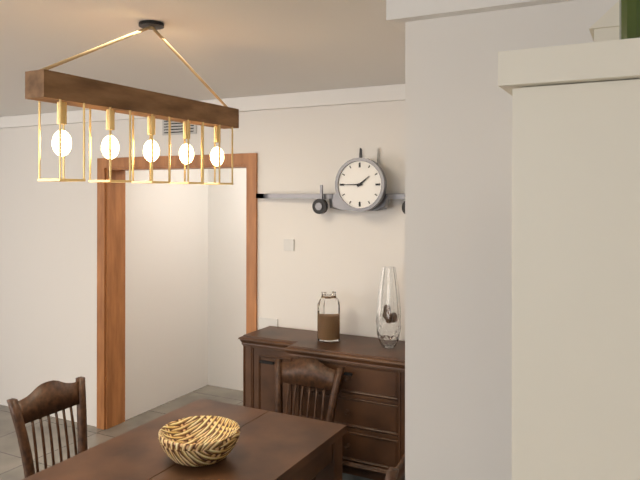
1:45
